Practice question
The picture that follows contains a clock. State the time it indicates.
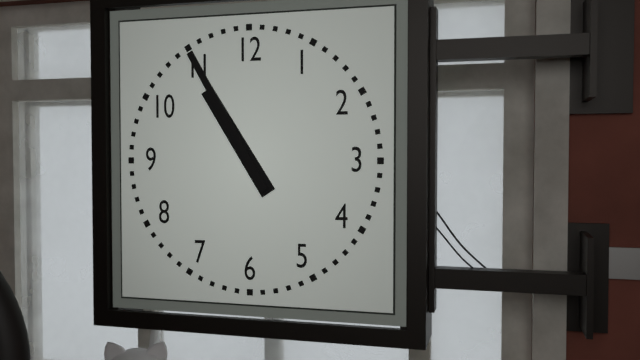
10:55
